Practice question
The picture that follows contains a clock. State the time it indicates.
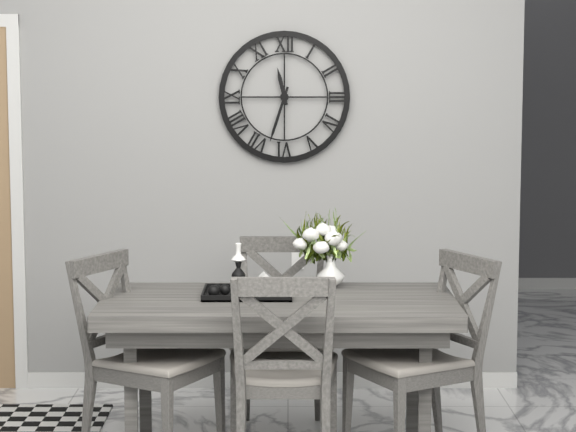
11:33
